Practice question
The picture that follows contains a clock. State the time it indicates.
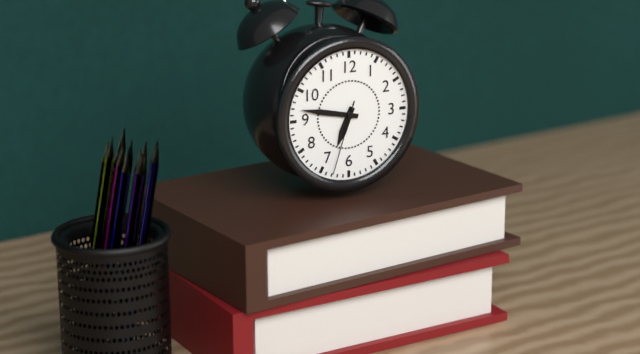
6:47:33
